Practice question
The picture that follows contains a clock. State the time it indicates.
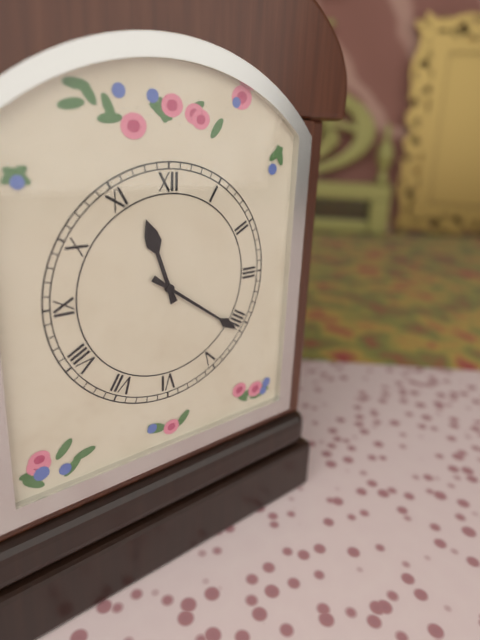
11:21
